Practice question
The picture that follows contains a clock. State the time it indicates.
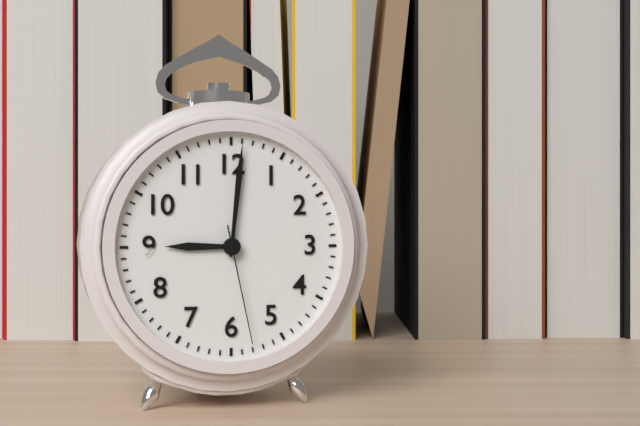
9:01:28
